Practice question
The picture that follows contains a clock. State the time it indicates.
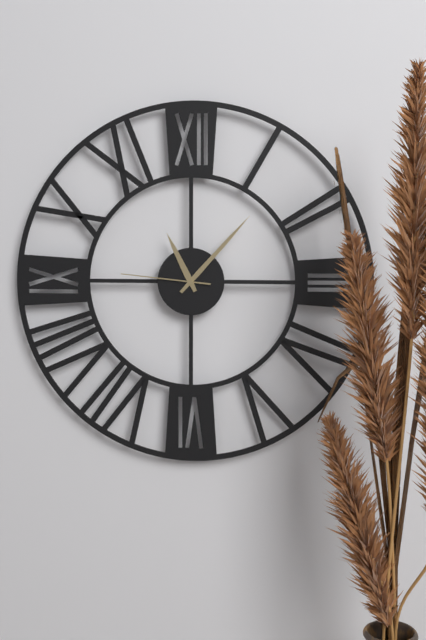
11:07:46
